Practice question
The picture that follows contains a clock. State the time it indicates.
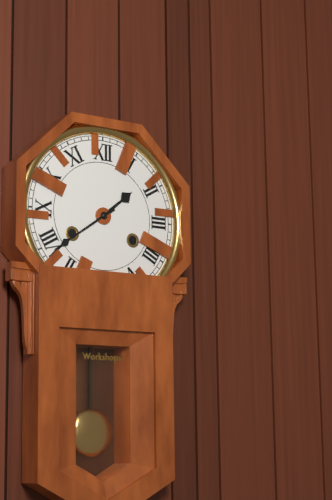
1:39
